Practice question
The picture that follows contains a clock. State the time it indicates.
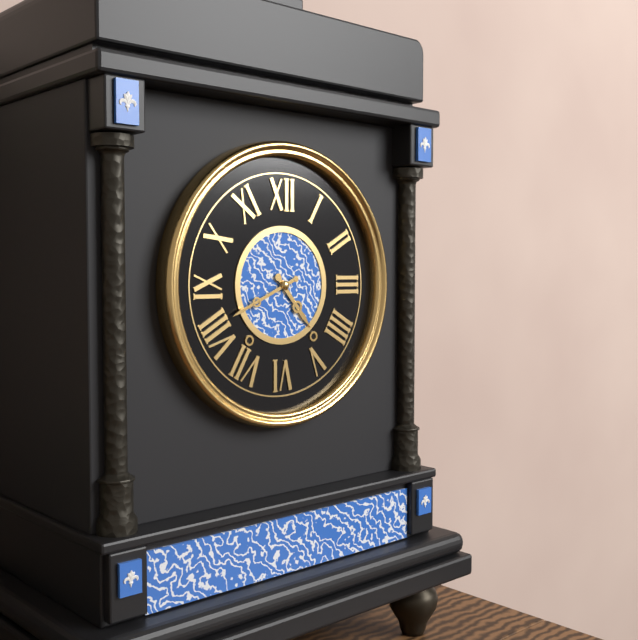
4:41
